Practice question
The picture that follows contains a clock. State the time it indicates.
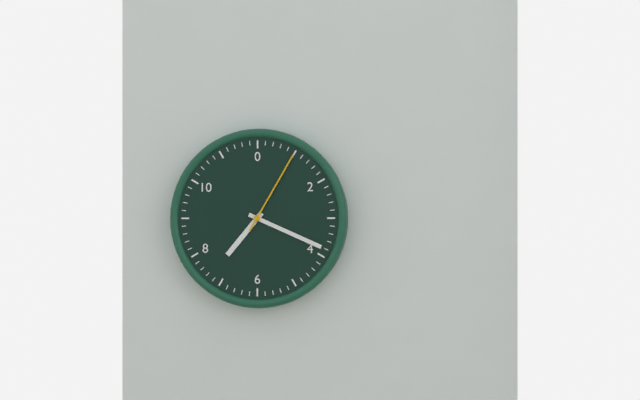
7:19:05
